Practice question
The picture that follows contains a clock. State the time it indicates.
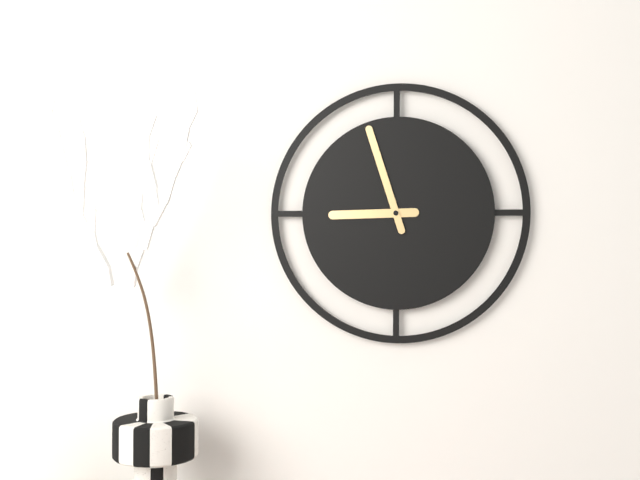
8:57
